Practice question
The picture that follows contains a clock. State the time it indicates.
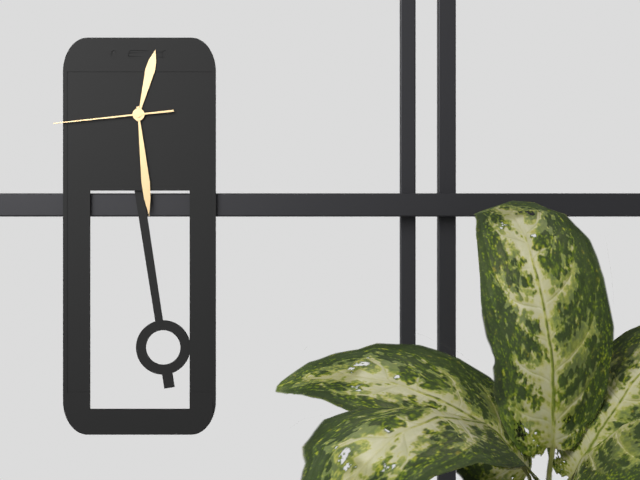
12:29:44
